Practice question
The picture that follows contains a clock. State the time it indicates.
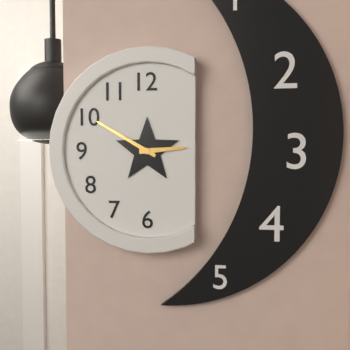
2:50
